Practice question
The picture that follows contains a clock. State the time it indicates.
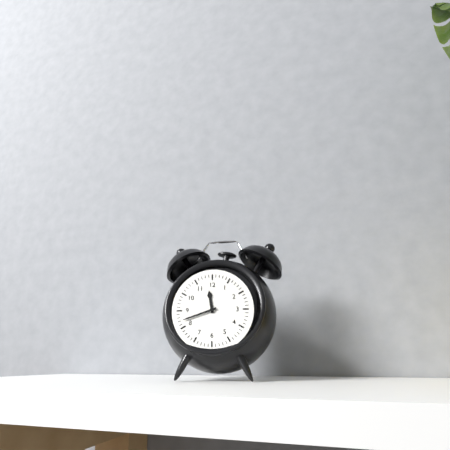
11:42
